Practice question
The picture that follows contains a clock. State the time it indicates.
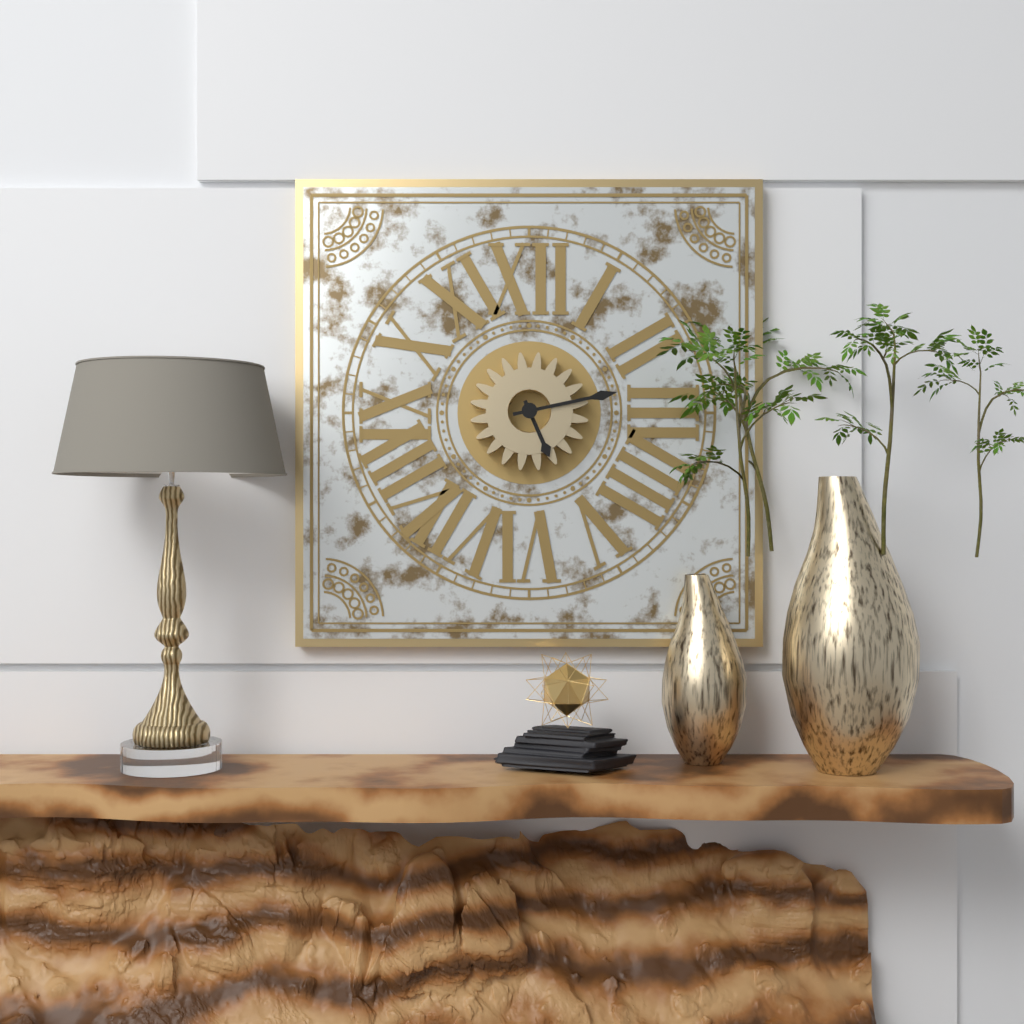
5:13
